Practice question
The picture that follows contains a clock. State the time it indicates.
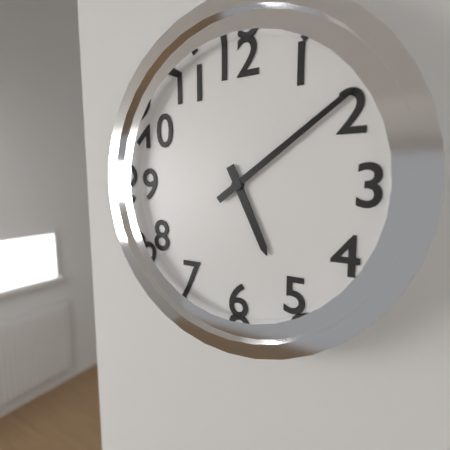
5:09
